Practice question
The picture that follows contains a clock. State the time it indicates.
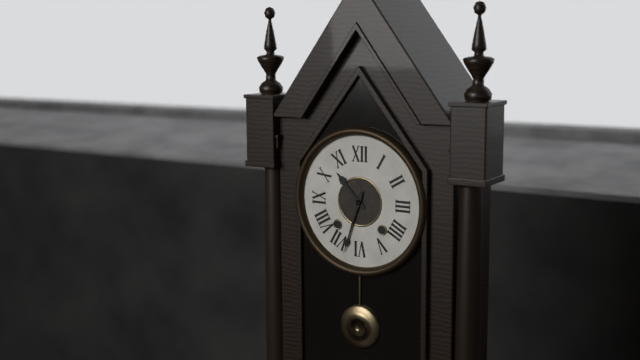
10:33
